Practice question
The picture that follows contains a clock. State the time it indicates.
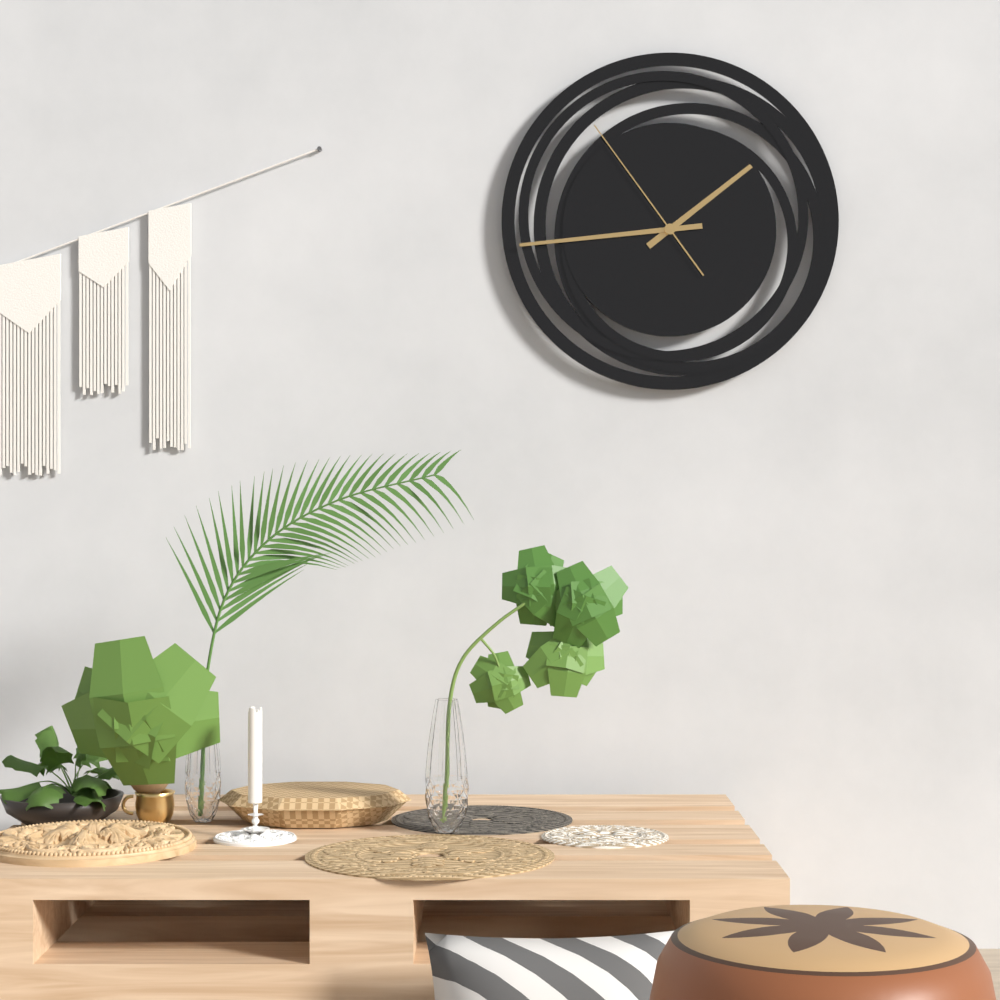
1:44:54
